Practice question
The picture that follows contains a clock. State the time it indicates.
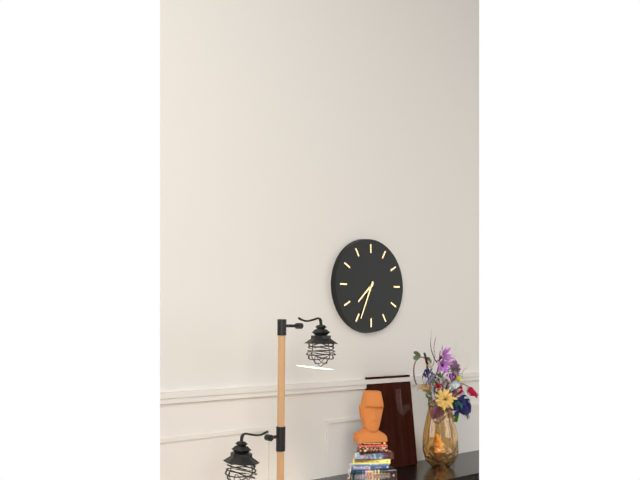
7:34
